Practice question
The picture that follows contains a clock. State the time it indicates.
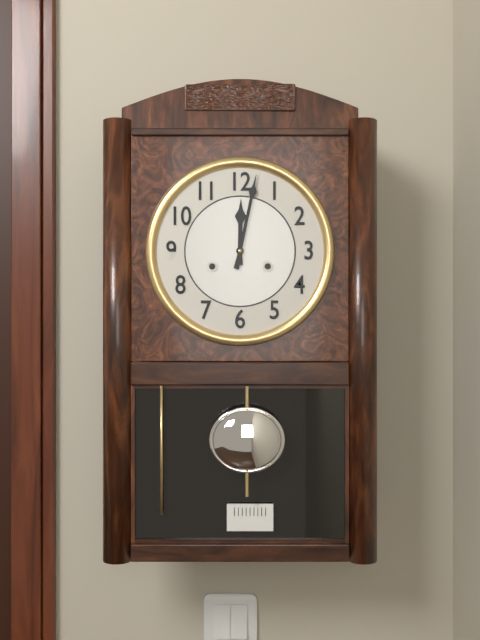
12:02
